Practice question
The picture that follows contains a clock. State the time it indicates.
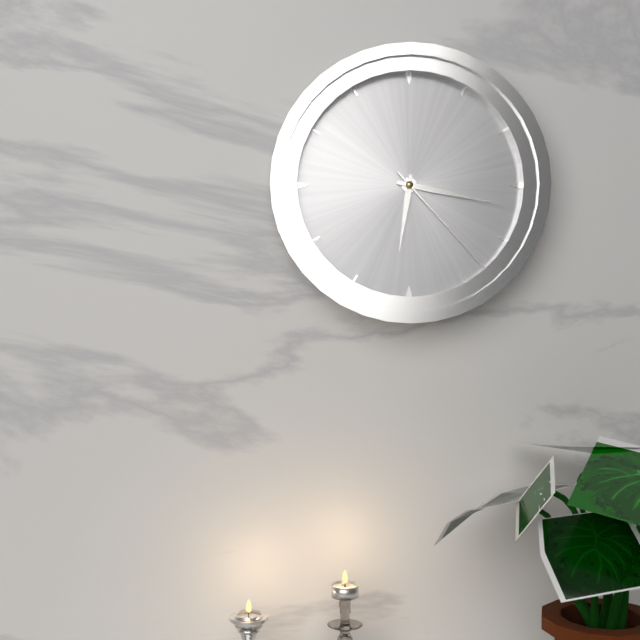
6:17:23
